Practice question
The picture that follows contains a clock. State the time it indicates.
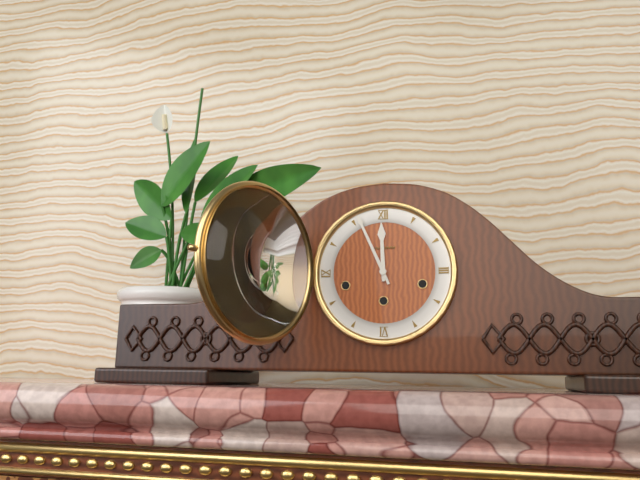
11:56
